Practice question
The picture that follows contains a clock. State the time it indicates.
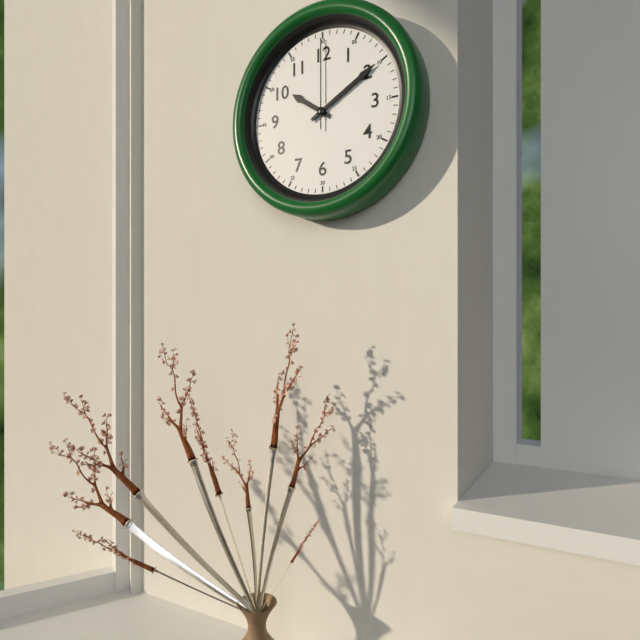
10:10:00
